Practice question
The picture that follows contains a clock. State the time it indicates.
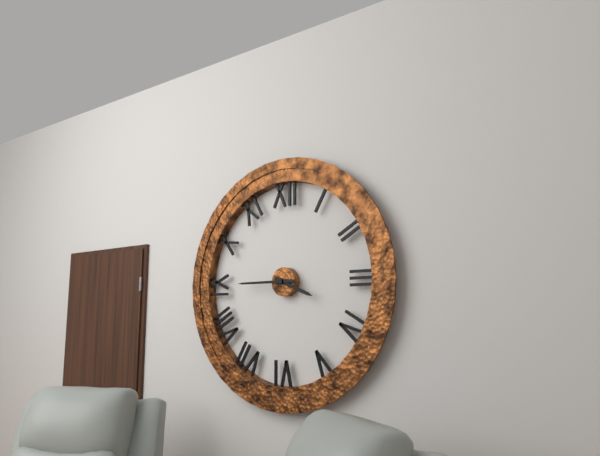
3:45
